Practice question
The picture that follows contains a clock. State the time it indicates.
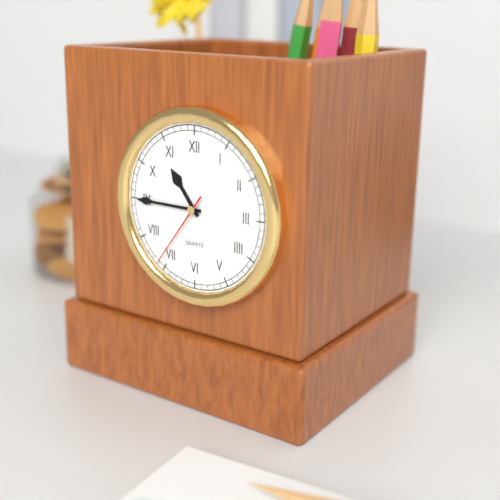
10:45:36
